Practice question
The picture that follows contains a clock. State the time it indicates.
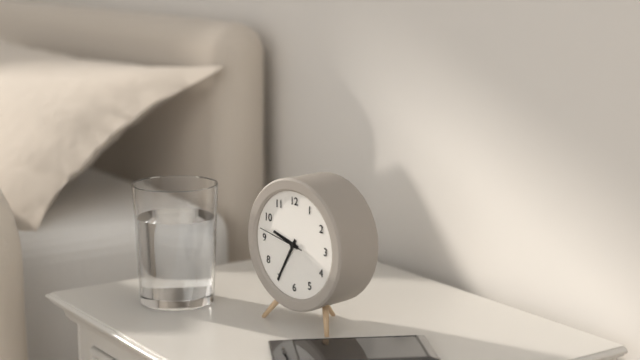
9:35:47
